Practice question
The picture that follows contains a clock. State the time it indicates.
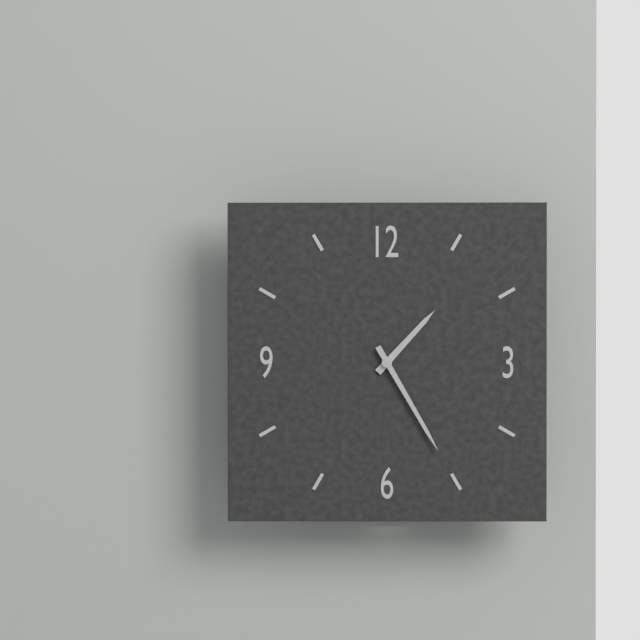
1:25
